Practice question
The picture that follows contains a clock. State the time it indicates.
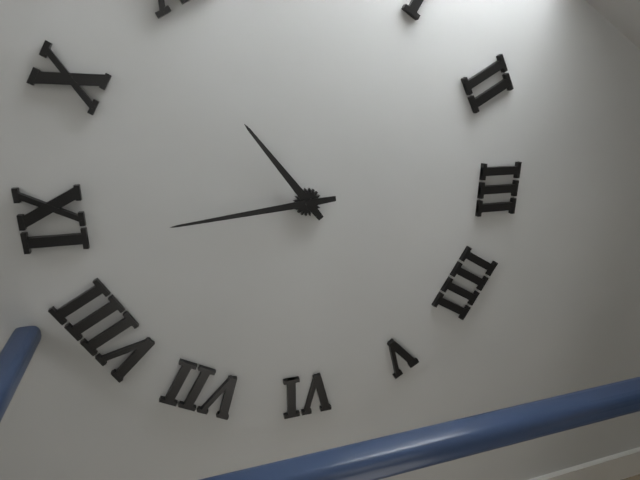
10:44
